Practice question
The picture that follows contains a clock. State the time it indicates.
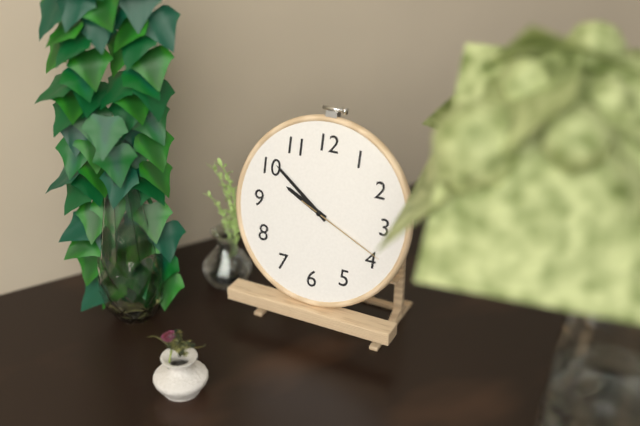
9:51:19
